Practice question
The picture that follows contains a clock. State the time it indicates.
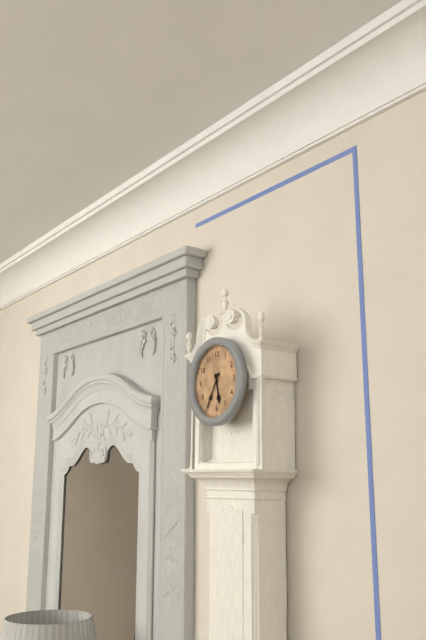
5:35
